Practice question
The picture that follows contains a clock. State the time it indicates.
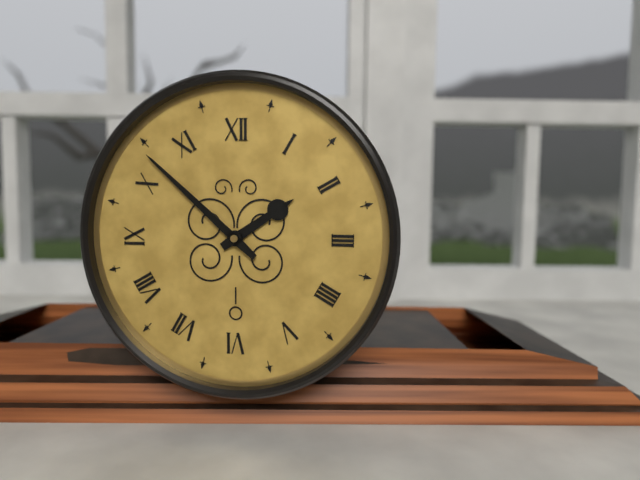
1:52
